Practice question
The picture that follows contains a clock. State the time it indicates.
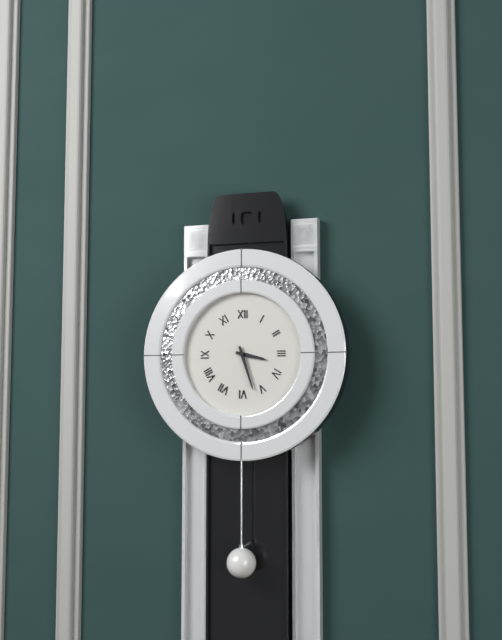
3:27
